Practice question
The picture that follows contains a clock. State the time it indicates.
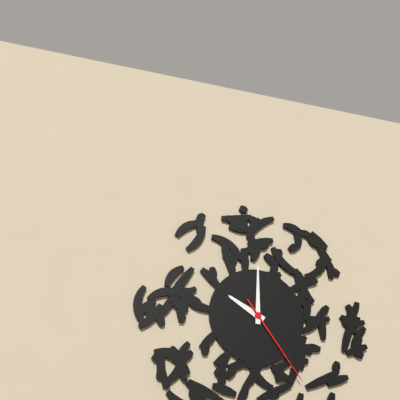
10:00:24
